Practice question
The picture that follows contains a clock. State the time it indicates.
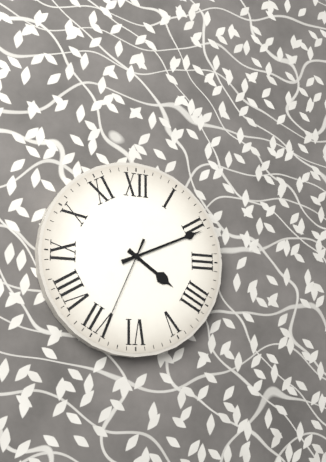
4:11:34
